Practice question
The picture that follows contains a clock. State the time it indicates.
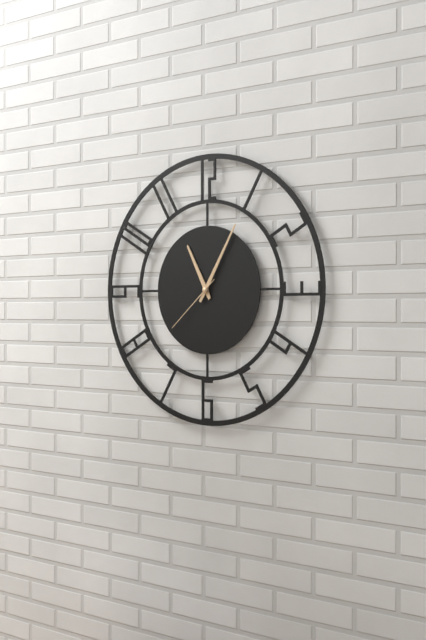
11:05:38
